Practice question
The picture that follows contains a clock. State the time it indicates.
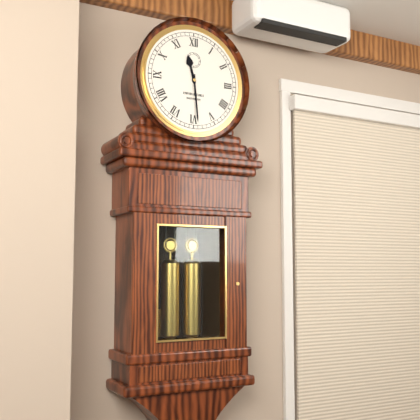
11:29
